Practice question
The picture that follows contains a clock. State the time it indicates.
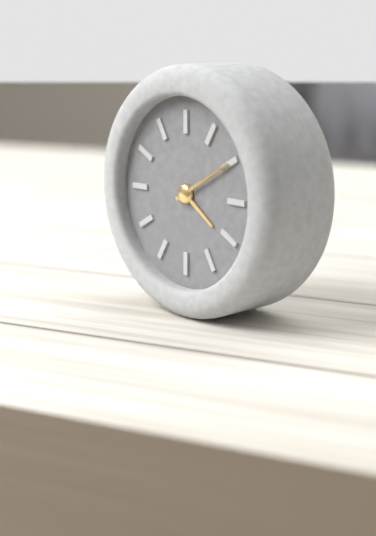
4:10
